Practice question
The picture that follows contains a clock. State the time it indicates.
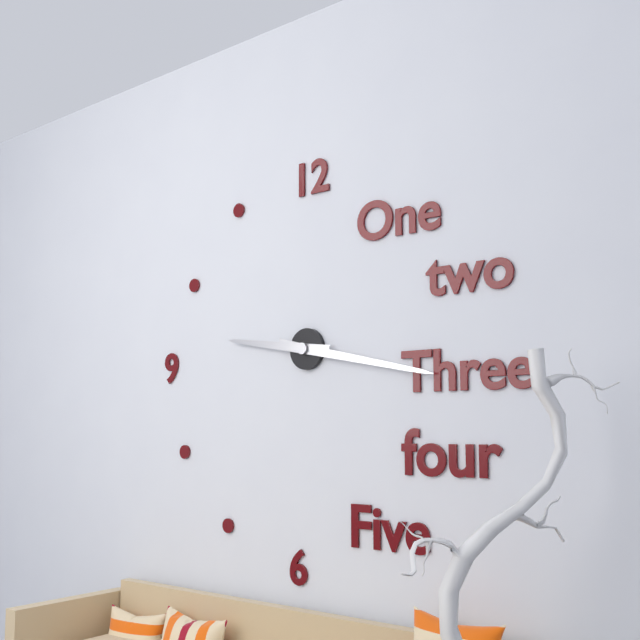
9:17
